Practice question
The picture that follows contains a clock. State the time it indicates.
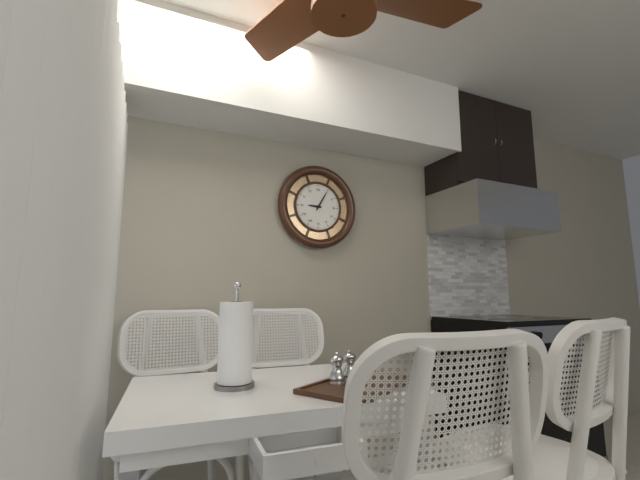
9:05
